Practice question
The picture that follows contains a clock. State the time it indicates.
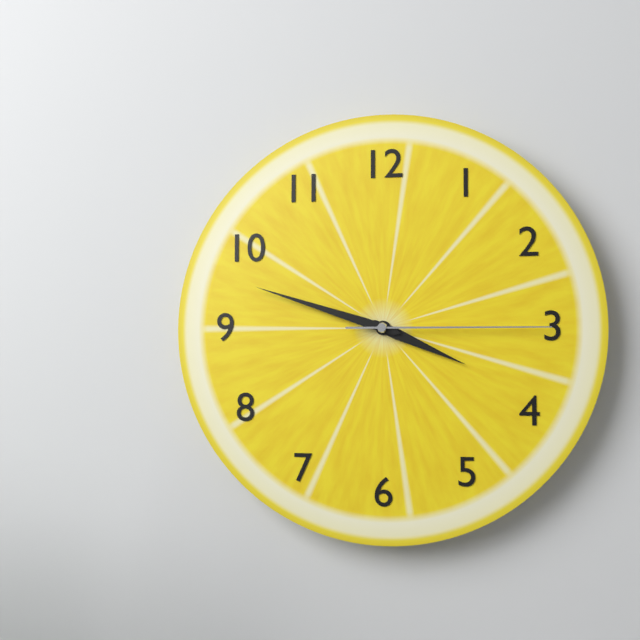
3:48:15
